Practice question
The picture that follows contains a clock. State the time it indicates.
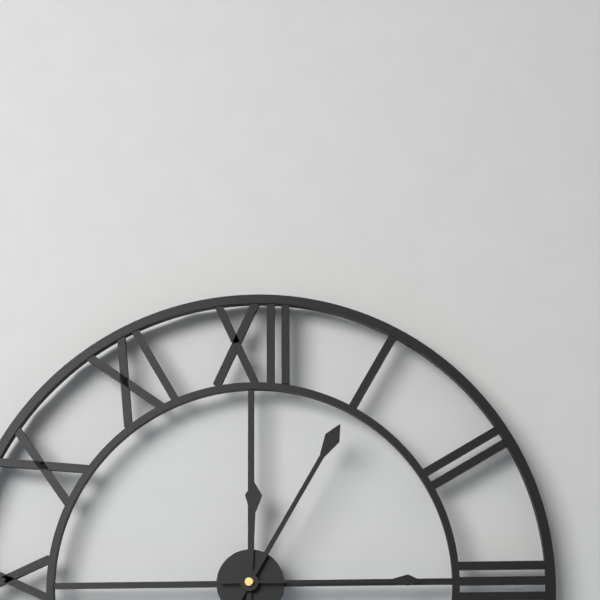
12:05:15
